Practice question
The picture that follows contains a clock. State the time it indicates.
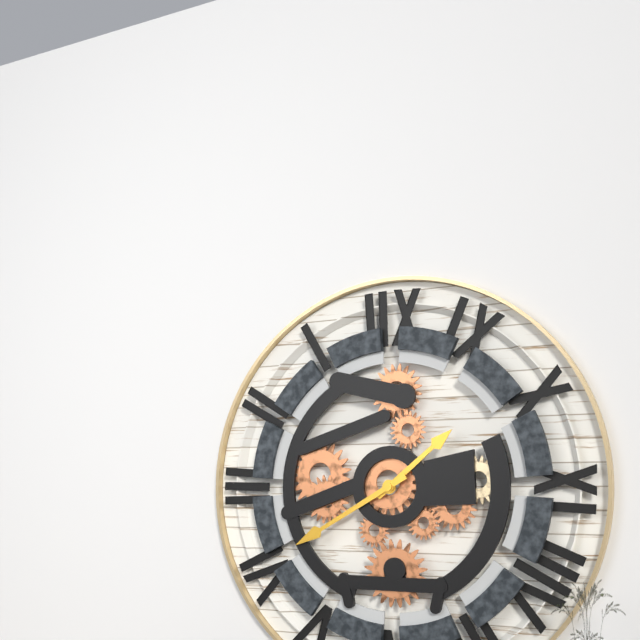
1:40
